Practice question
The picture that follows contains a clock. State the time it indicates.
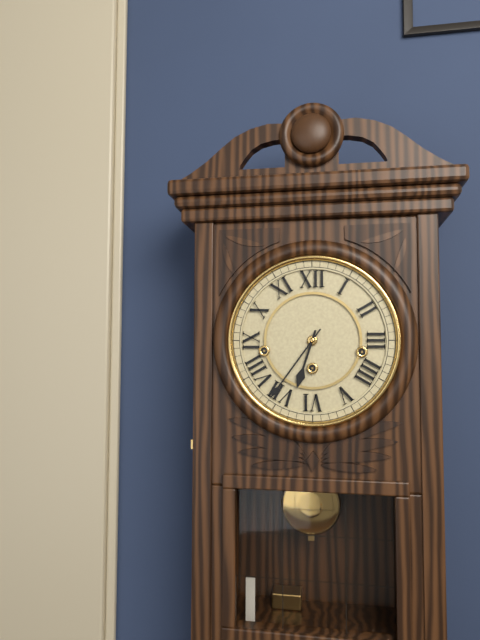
6:36
